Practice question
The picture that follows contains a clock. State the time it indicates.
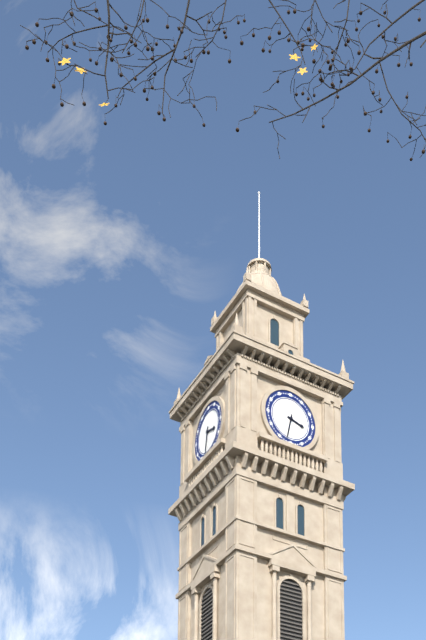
3:32
